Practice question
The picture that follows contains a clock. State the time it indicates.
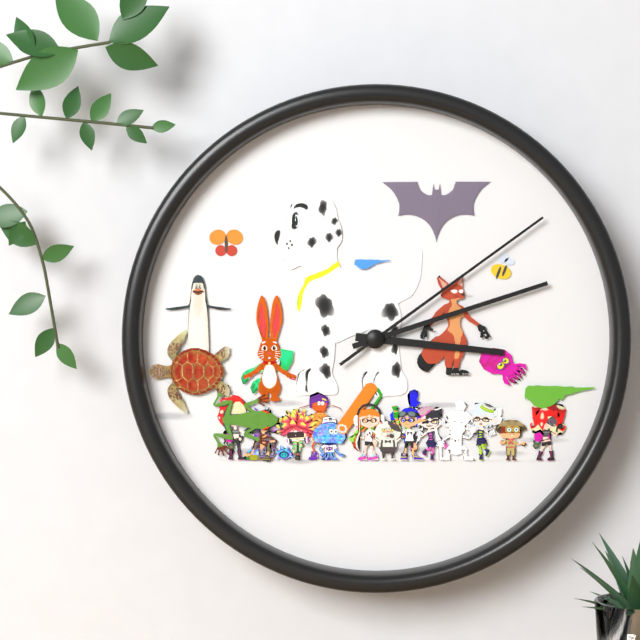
3:12:09
